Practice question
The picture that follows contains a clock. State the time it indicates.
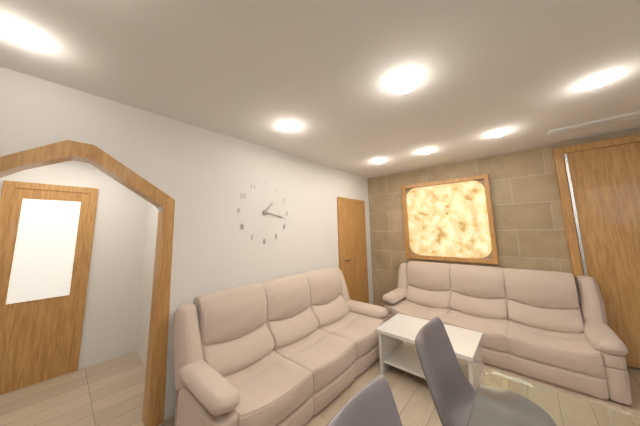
1:17
